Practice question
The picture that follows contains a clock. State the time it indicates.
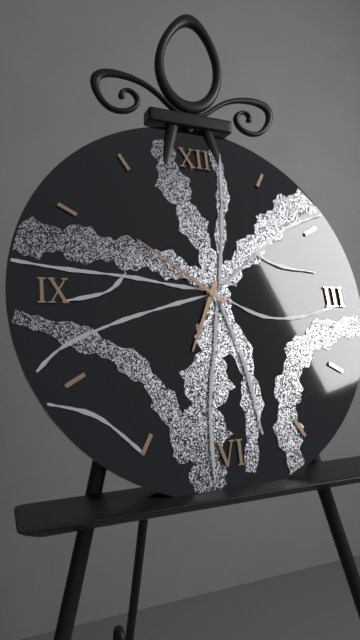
6:51
